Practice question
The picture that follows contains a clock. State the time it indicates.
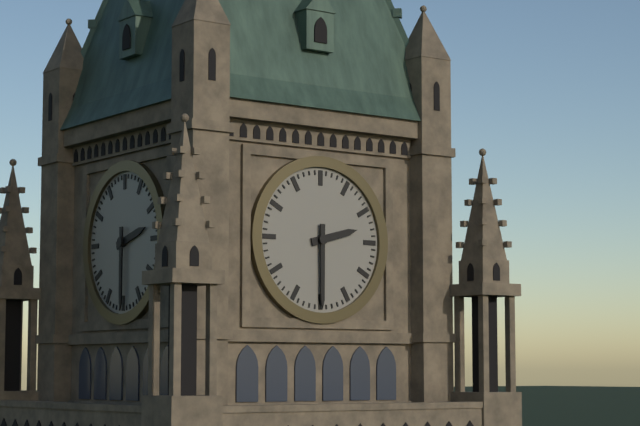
2:30
